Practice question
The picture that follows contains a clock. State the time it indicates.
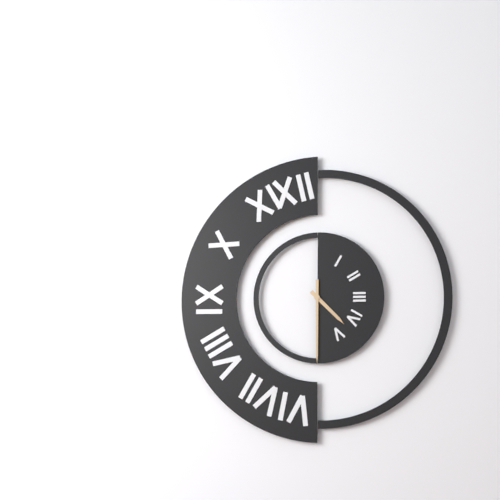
4:30
